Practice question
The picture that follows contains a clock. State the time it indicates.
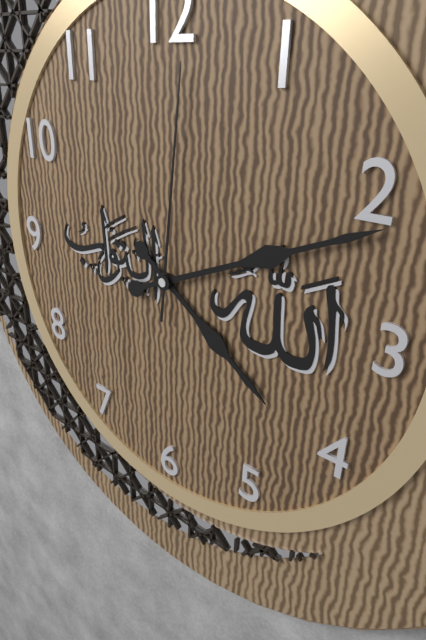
4:11:01
